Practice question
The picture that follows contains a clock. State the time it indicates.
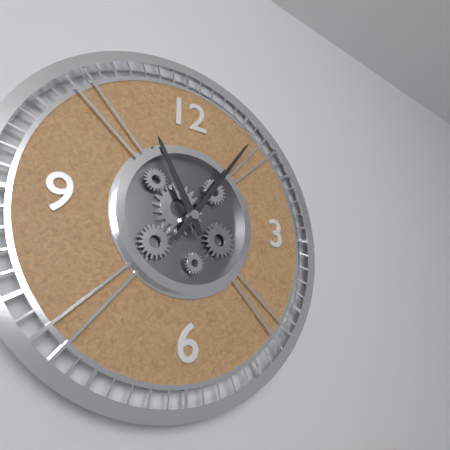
11:06
